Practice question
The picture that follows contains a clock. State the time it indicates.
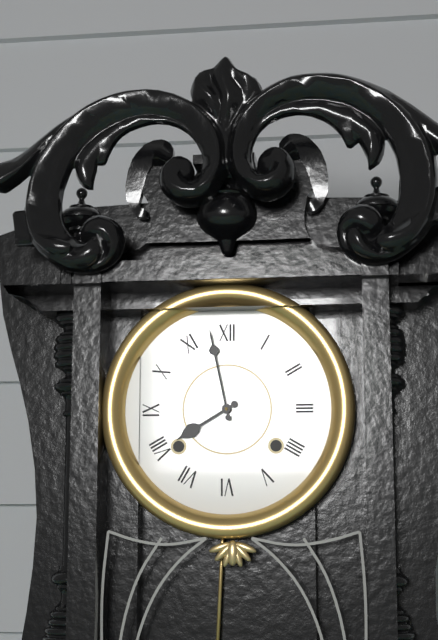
7:58
